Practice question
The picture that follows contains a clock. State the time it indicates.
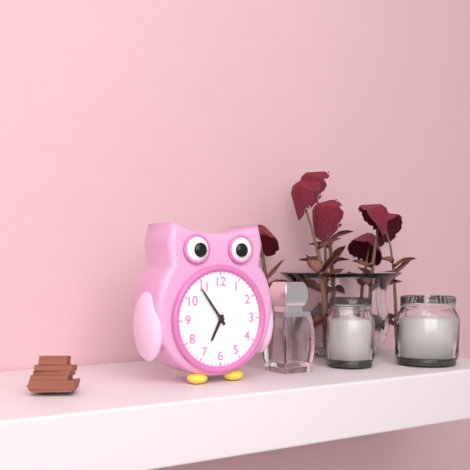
6:54
